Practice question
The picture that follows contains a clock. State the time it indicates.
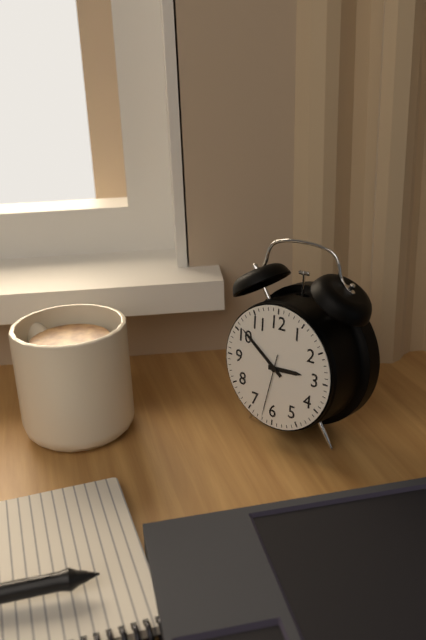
2:51:32
